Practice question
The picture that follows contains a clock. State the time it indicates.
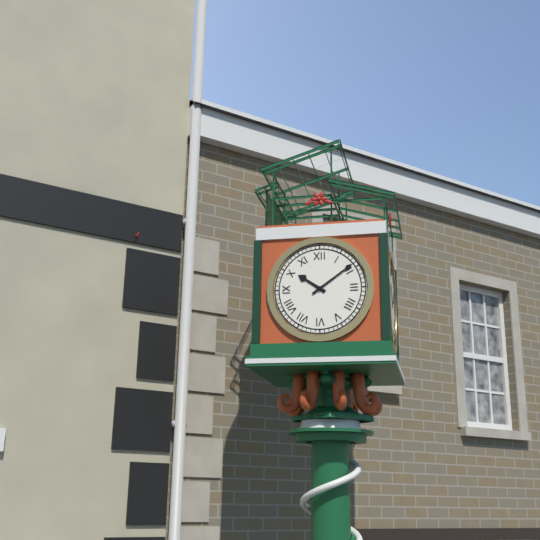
10:09
